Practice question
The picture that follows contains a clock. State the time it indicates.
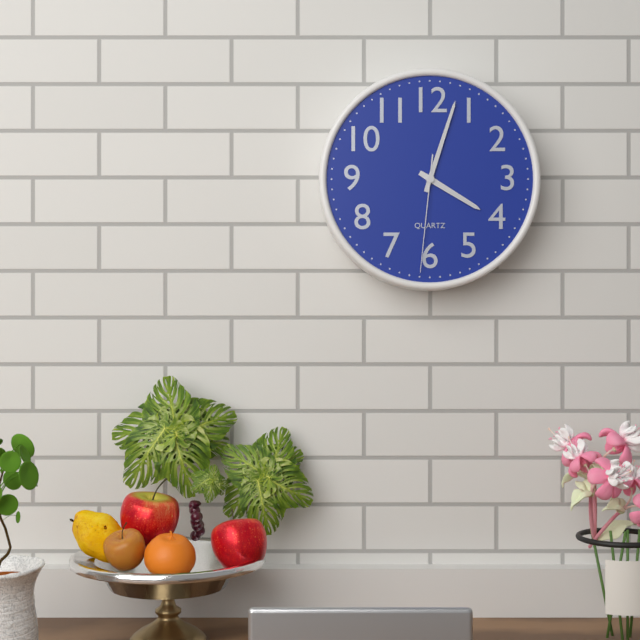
4:03:31
